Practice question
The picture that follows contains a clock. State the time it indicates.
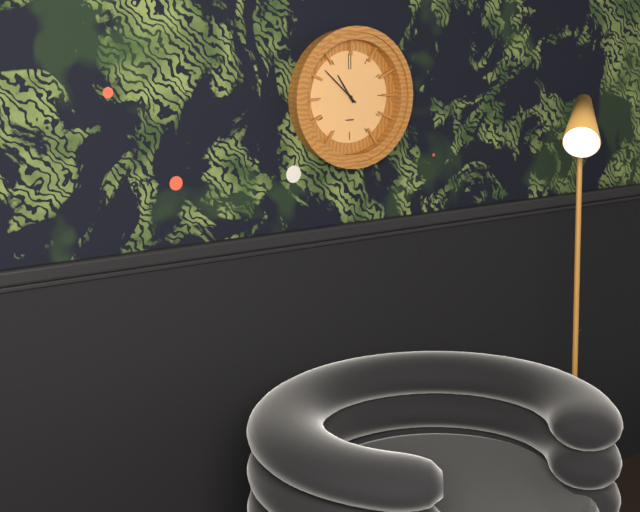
10:52
